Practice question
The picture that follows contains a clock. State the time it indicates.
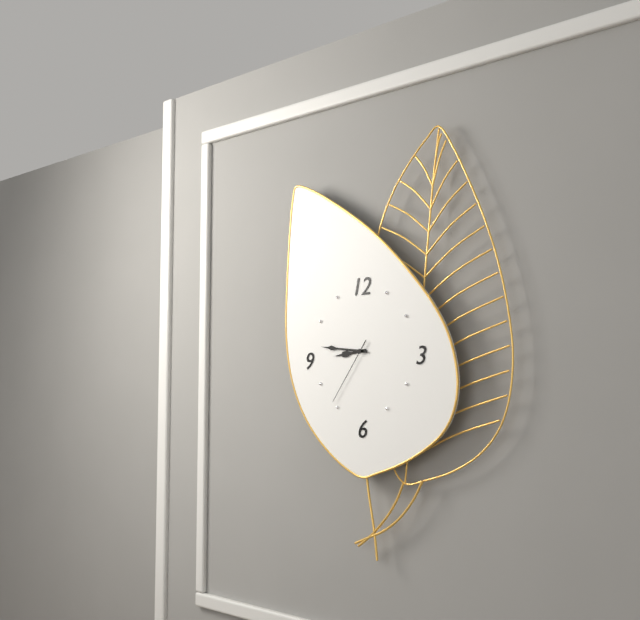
8:46:36
